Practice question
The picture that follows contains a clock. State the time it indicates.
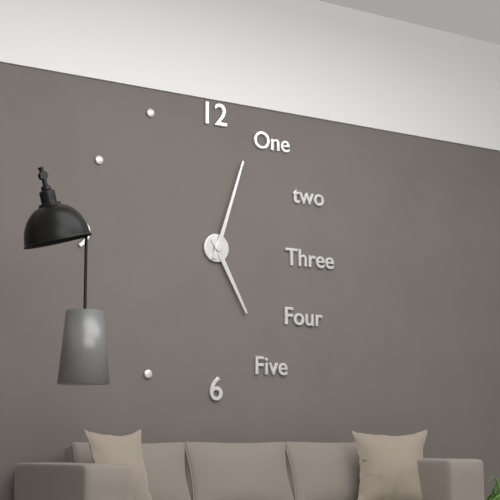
5:03
